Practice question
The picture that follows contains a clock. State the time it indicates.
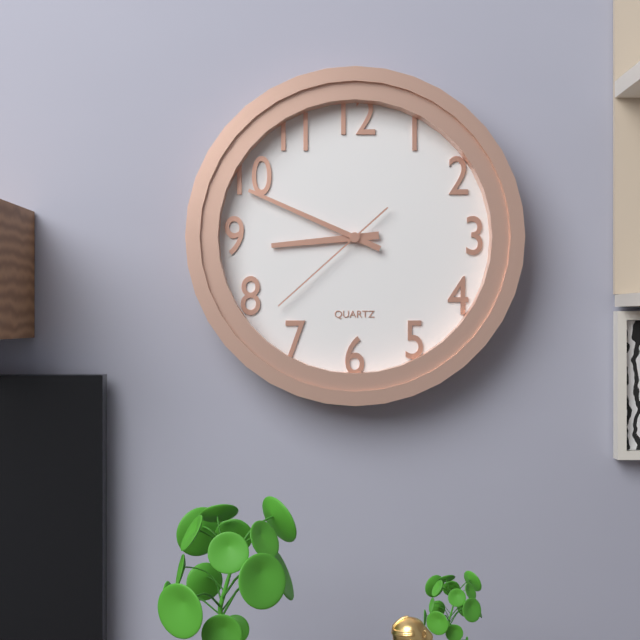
8:49:38
